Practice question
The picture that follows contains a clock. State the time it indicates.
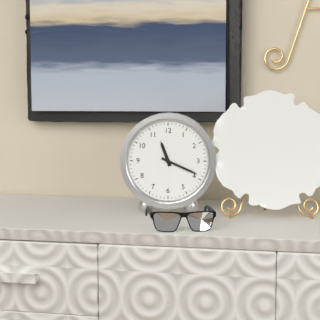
11:19
